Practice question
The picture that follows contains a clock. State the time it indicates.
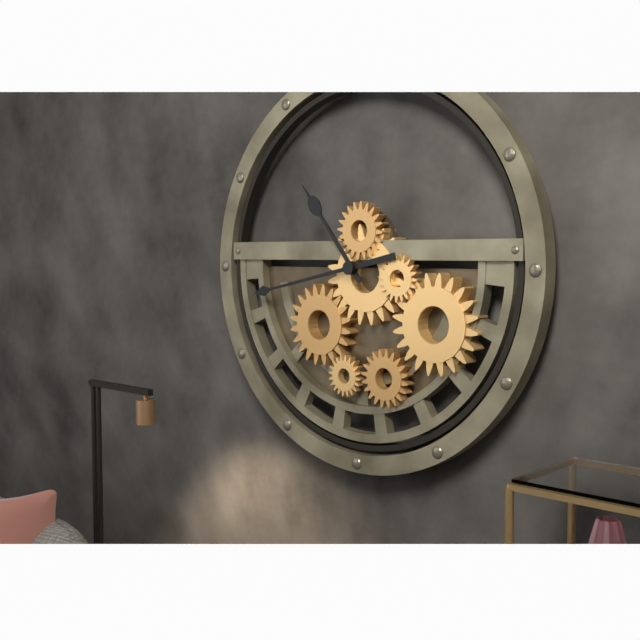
10:43
